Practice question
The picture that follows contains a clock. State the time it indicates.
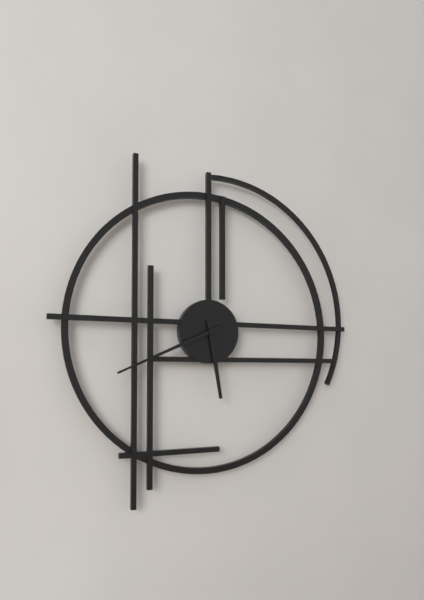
5:41
